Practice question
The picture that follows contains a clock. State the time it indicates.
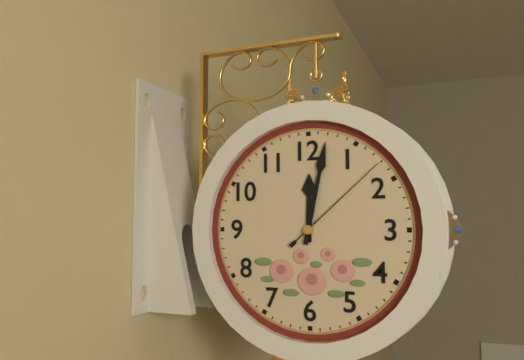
12:02:08
